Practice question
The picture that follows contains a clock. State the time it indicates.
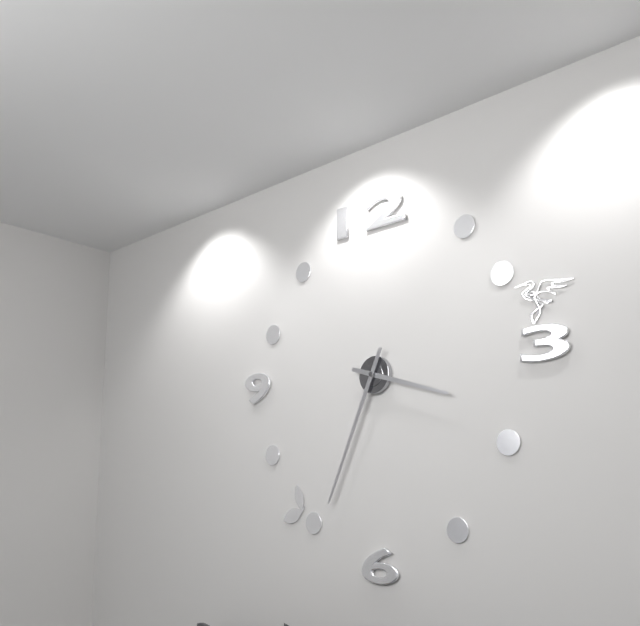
3:34
